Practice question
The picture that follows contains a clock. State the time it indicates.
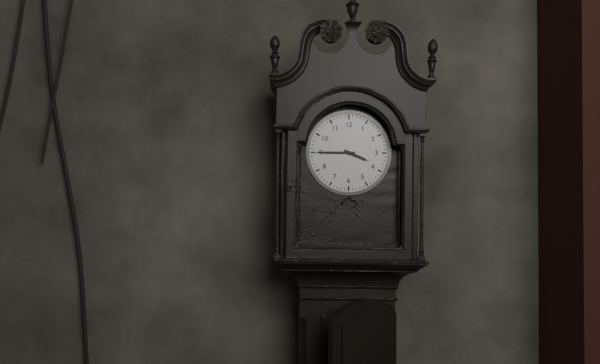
3:45
